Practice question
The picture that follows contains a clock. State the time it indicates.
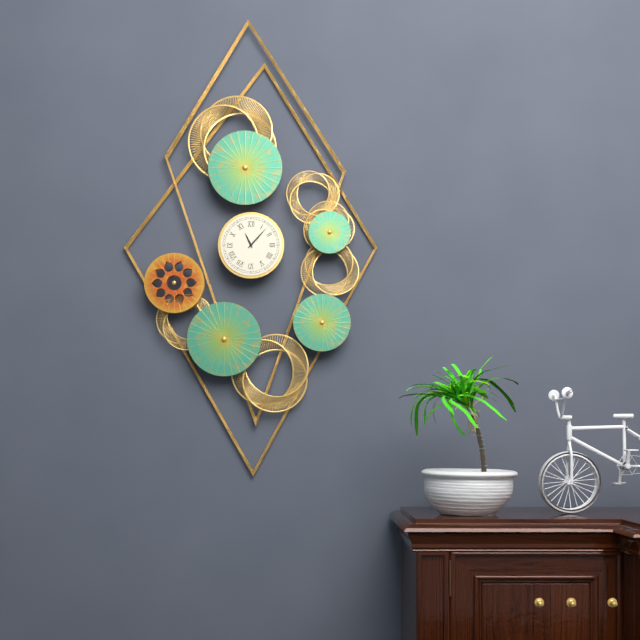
11:07
